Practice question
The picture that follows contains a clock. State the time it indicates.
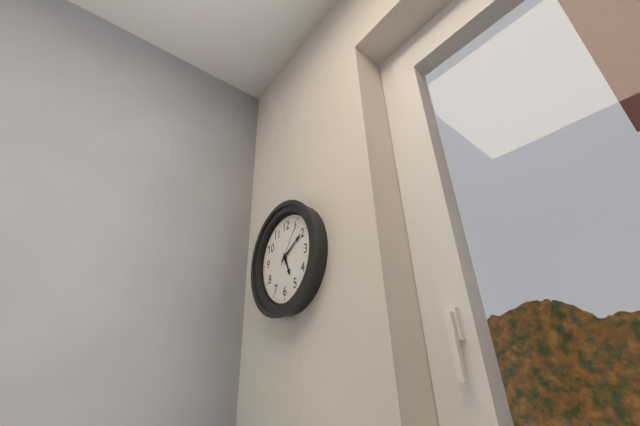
5:10
